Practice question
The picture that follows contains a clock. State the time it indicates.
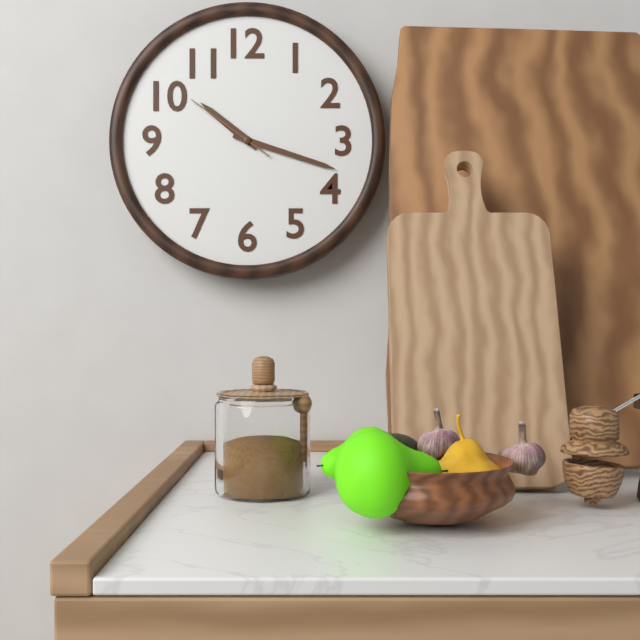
10:18:51
